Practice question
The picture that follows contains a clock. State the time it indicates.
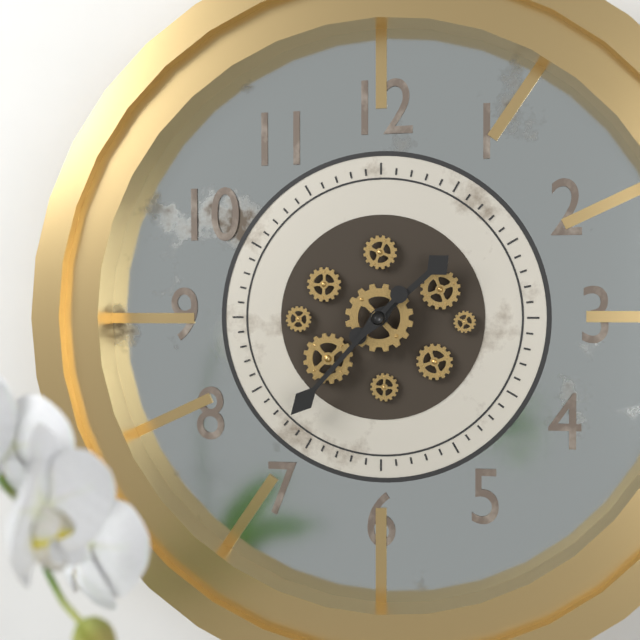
1:37
